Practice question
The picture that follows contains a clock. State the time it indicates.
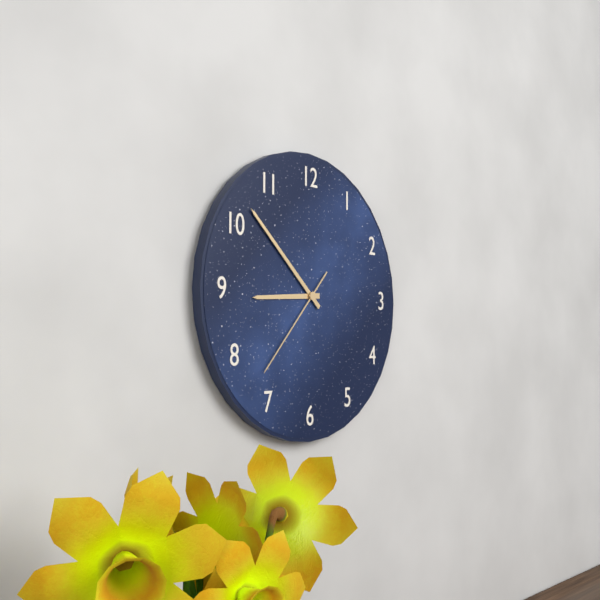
8:52:37
